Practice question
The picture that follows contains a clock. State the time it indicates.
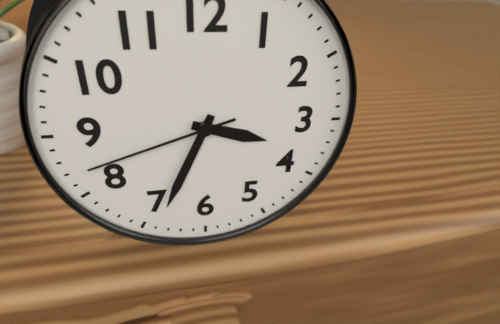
3:34:42
